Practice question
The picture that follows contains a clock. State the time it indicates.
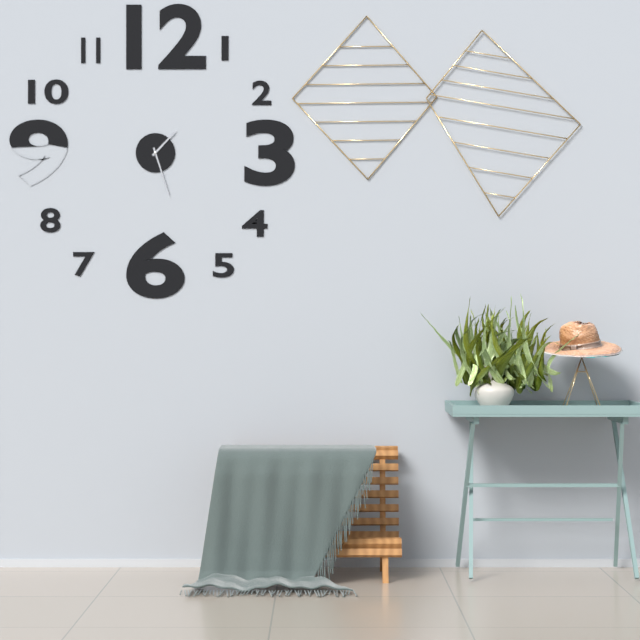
1:27
